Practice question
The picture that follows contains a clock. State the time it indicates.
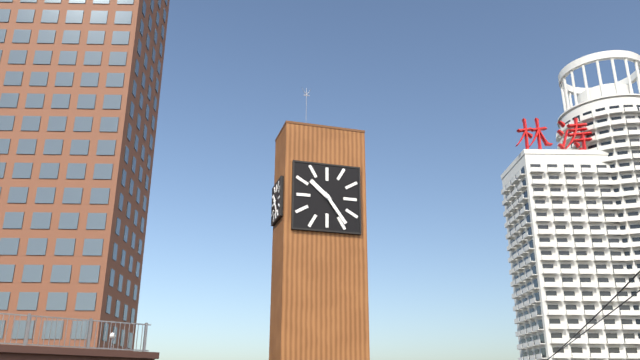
10:24
